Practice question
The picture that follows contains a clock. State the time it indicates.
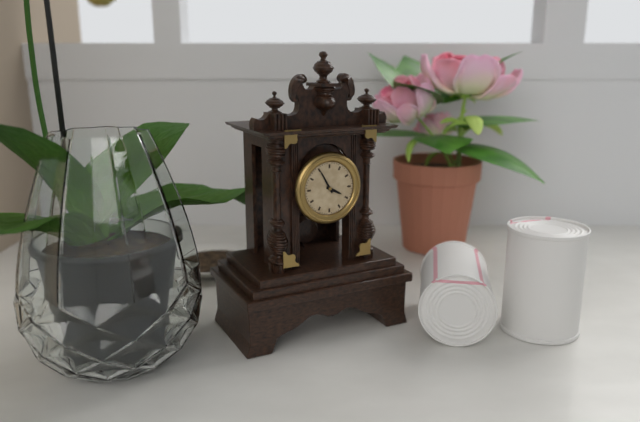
3:55
